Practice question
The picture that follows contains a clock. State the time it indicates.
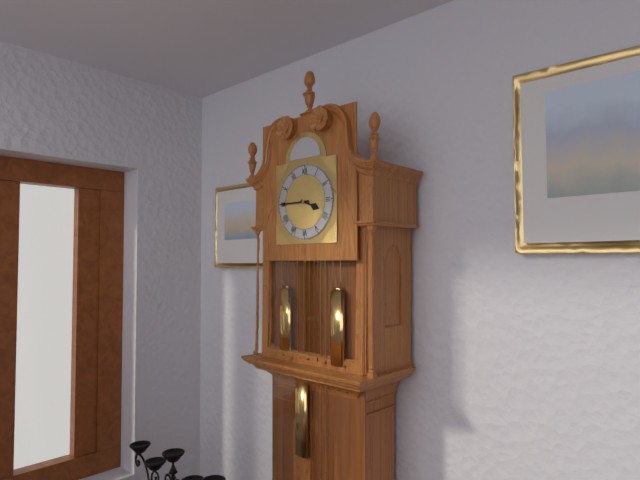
3:45
